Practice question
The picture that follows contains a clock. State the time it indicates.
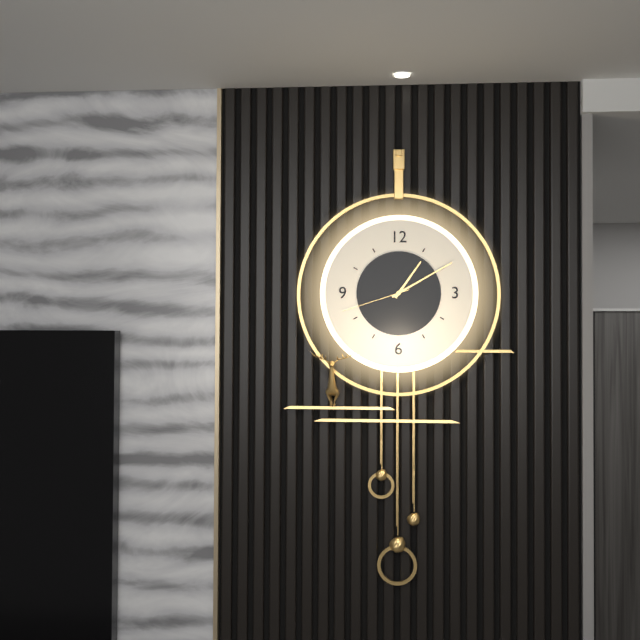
1:10:42
